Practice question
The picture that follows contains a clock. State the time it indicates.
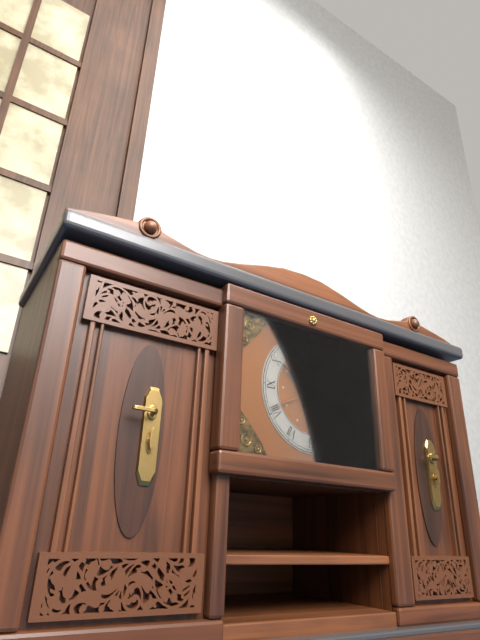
3:50
